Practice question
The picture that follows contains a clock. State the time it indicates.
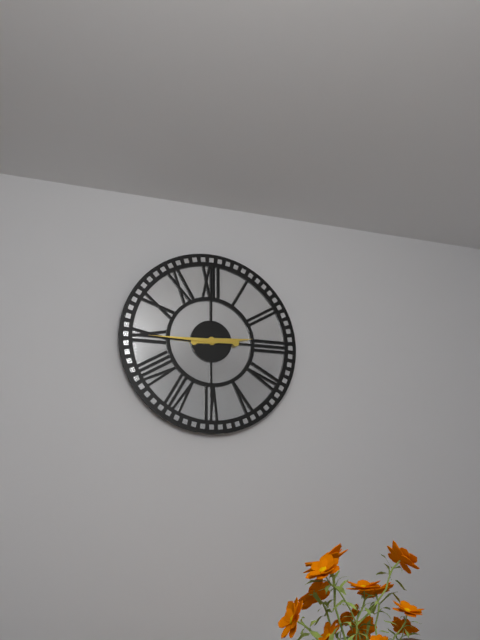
2:45
